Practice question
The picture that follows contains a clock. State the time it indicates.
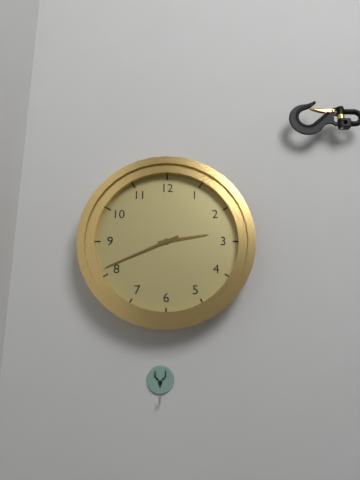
2:41
